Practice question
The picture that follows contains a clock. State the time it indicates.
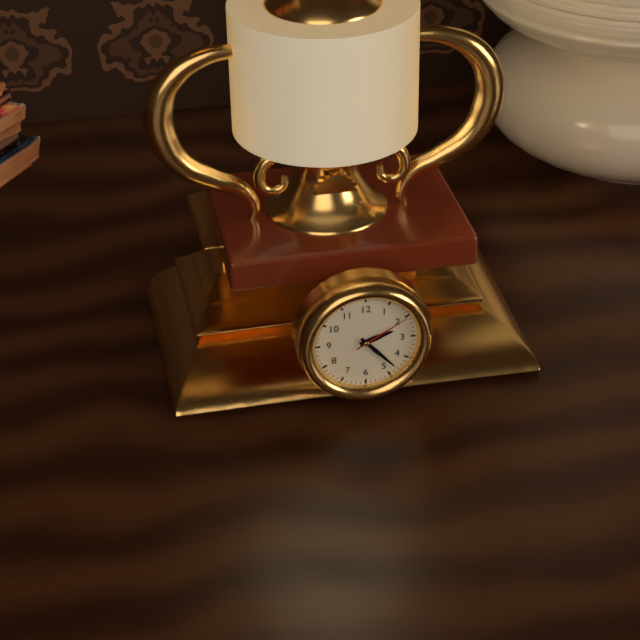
2:23:10
